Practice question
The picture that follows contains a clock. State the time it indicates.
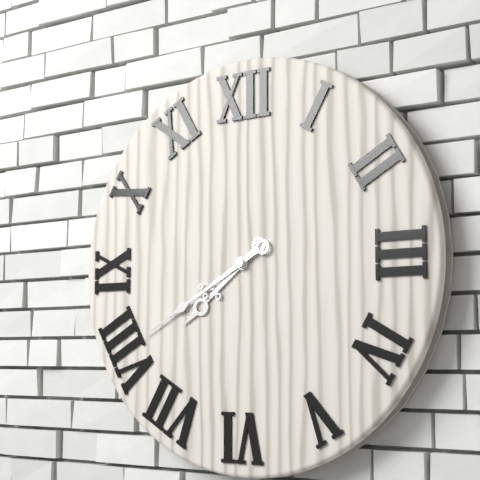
7:40
